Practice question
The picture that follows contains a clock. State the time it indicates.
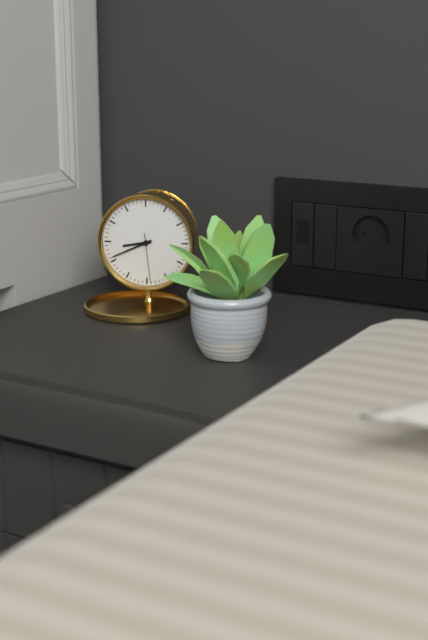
8:41
